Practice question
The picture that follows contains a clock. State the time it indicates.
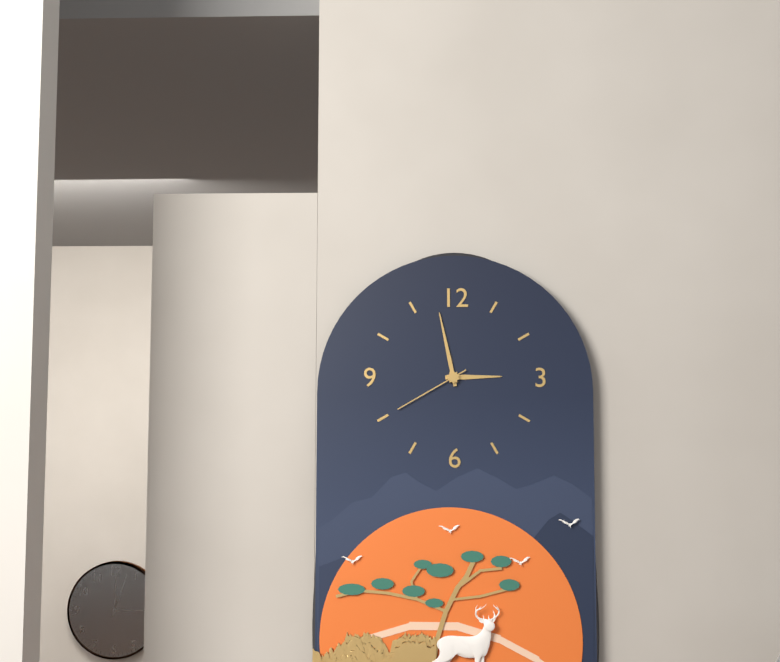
2:58:40
